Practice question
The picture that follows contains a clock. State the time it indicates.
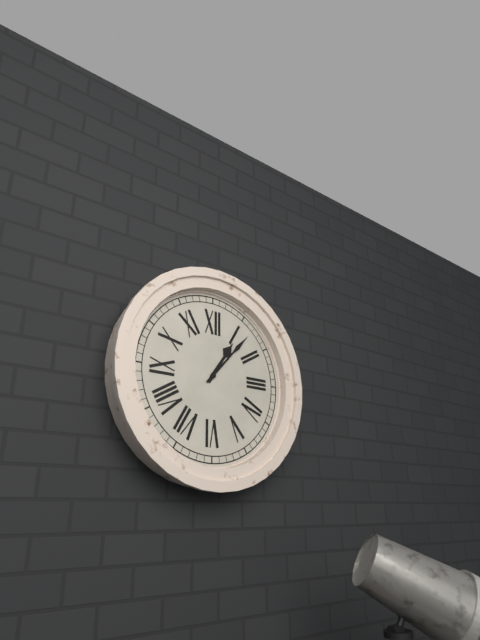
1:07
